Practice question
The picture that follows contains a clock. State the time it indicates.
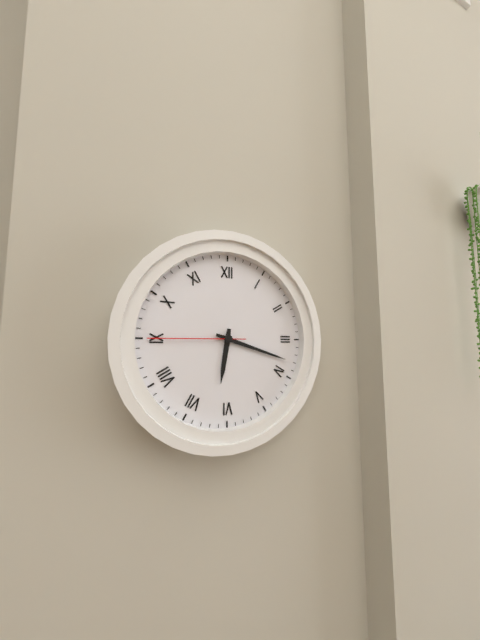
6:18:45
